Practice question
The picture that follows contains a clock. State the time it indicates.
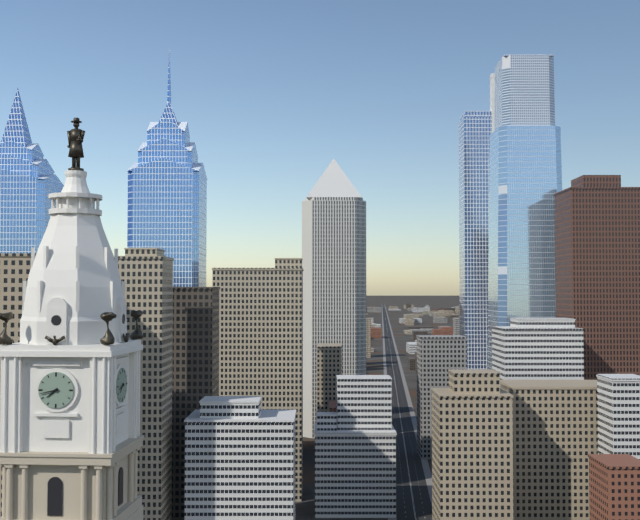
7:43
